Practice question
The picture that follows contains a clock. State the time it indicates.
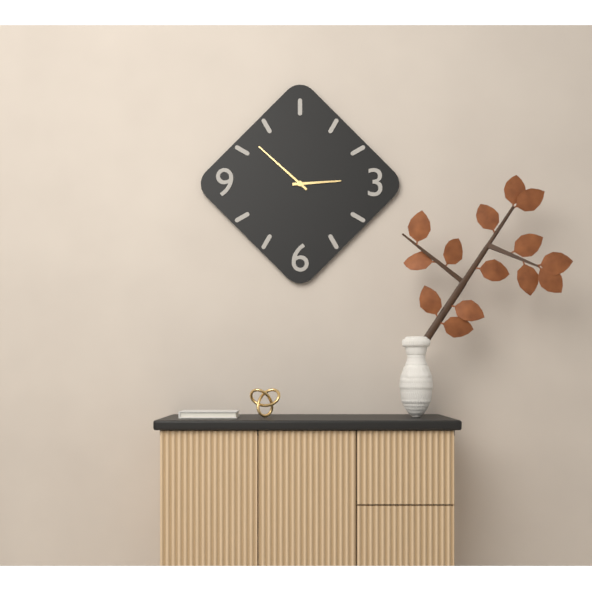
2:52
